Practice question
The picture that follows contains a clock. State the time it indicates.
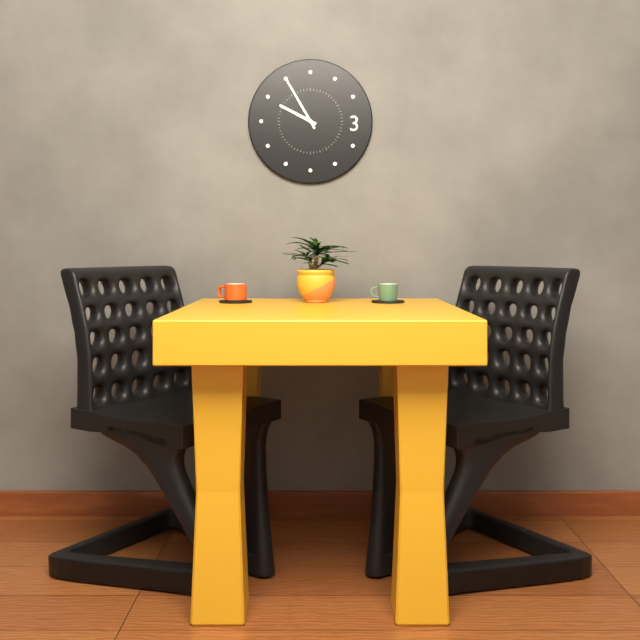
9:55
